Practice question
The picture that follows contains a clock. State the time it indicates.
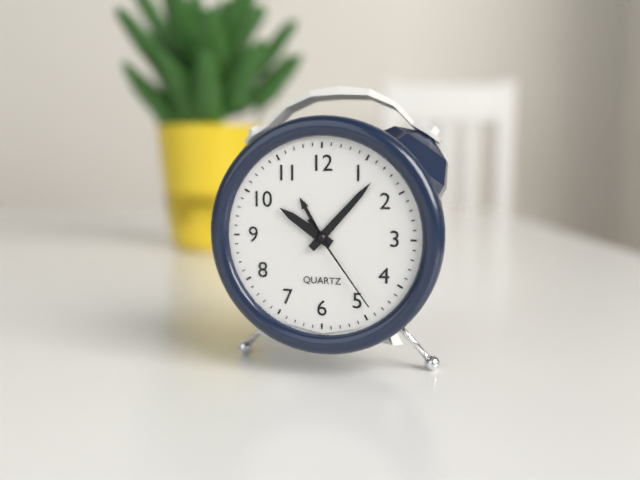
10:07:24
